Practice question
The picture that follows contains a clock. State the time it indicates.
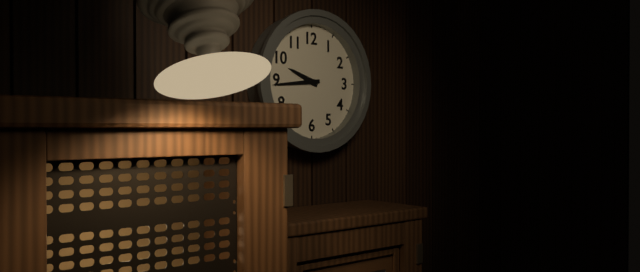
9:44
